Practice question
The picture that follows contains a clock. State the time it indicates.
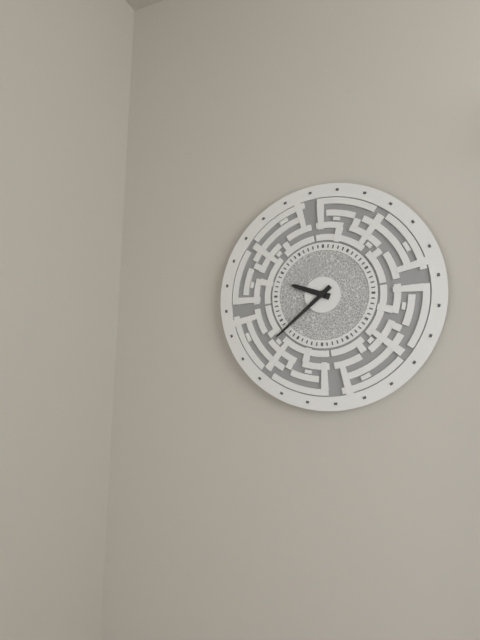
9:38
